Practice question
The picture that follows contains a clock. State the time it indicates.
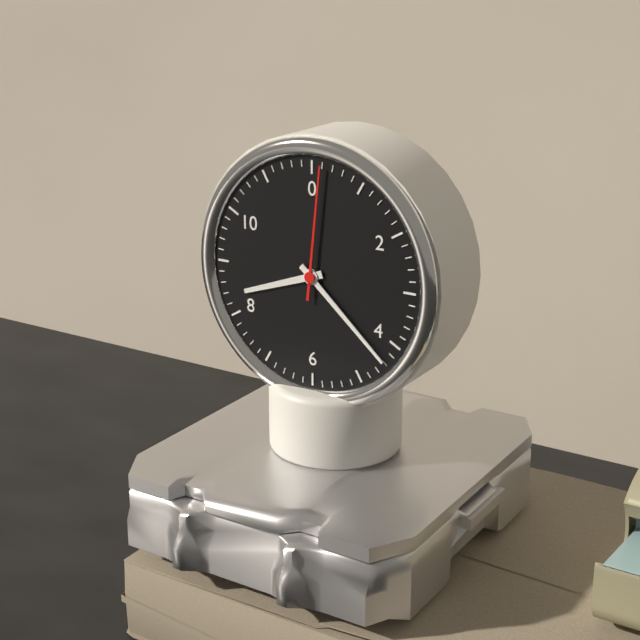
8:22:01
